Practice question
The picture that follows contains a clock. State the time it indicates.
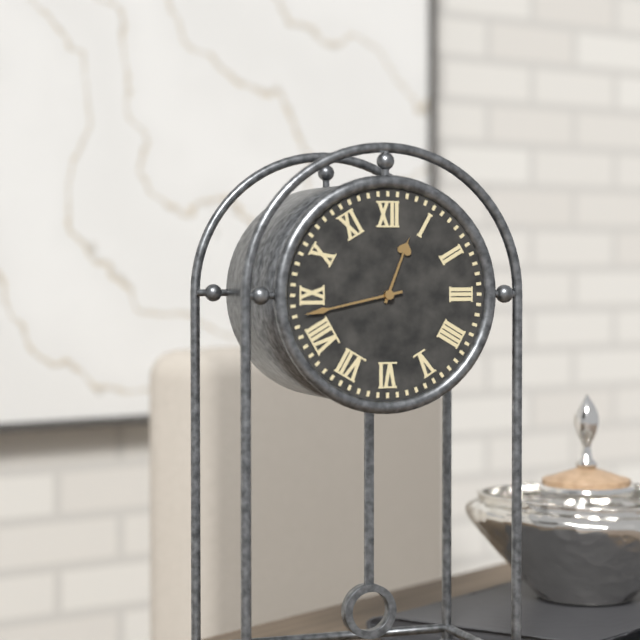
12:43
